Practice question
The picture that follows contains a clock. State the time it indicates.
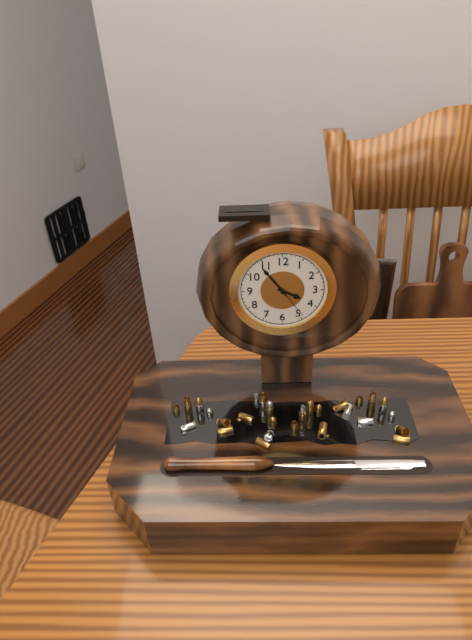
3:54
